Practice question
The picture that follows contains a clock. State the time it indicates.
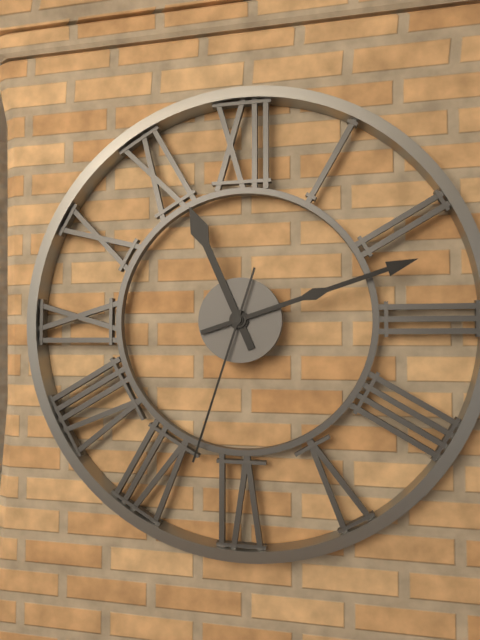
11:12:33
